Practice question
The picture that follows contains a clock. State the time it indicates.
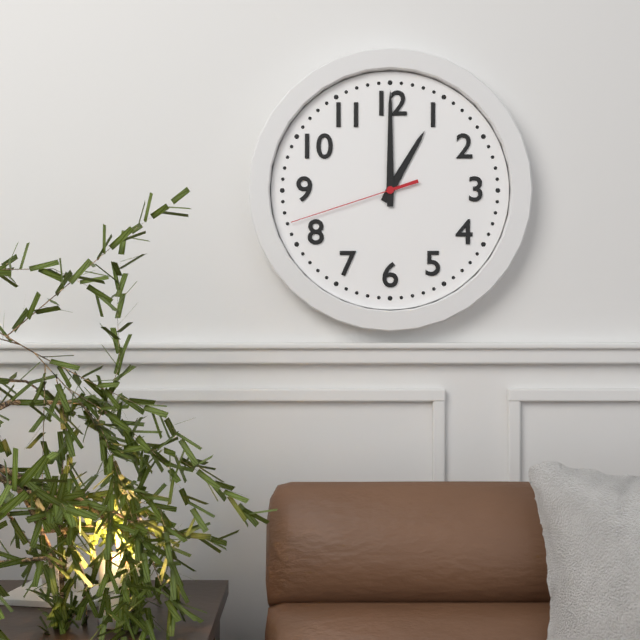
1:00:42
